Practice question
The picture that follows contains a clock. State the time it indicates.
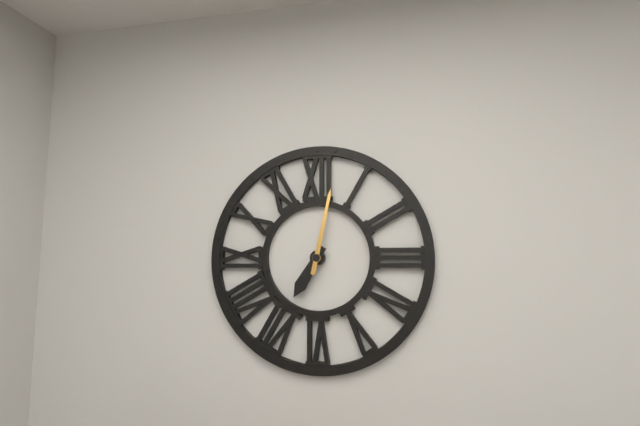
7:02
